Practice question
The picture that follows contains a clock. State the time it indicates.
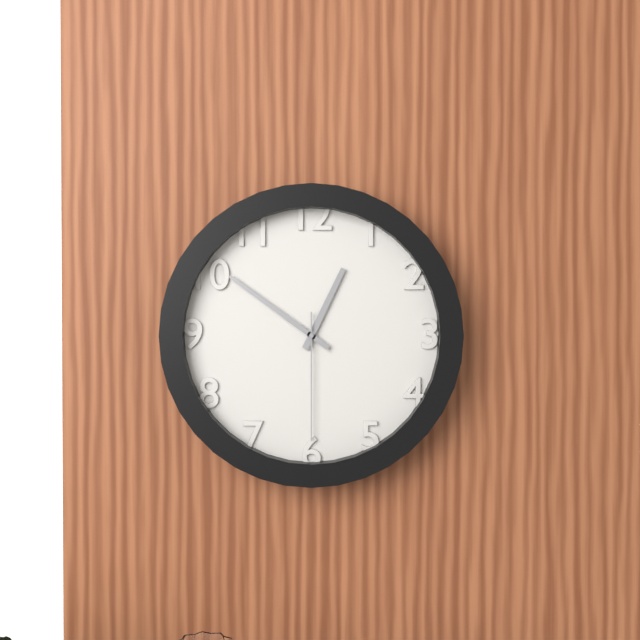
12:51:30
